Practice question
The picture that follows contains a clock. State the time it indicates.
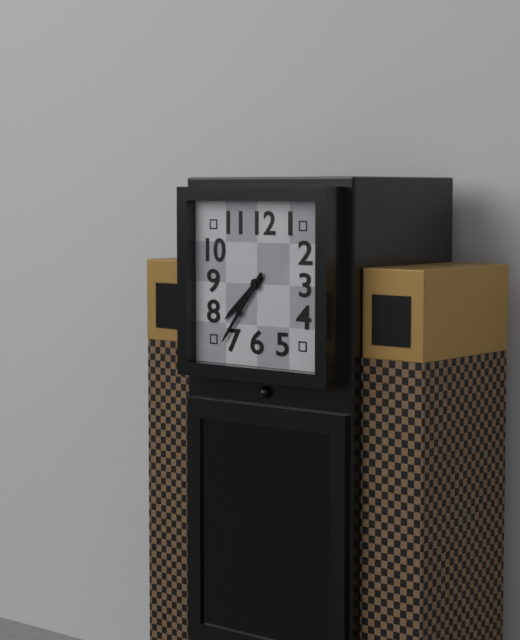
7:36
